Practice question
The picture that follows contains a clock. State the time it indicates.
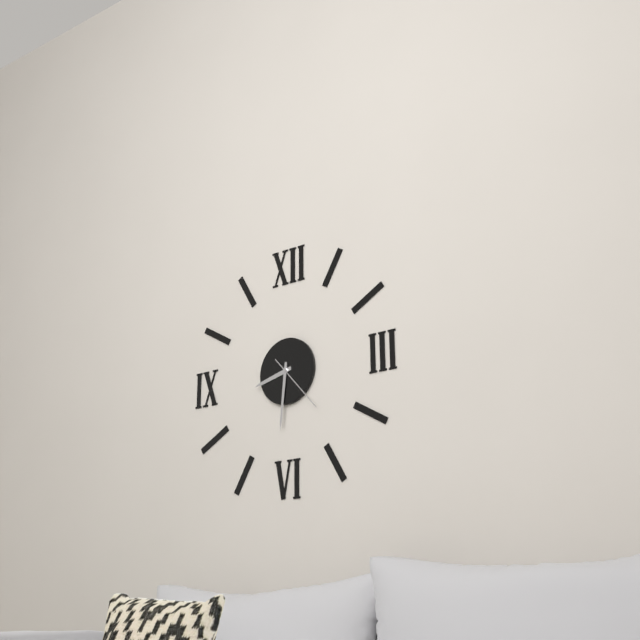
8:31:23
